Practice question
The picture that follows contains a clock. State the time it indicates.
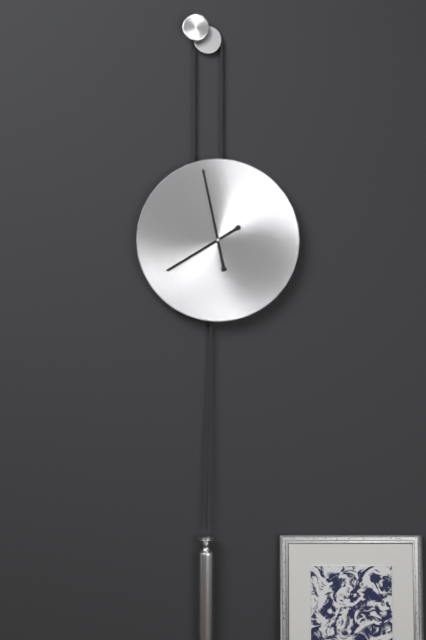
7:58
